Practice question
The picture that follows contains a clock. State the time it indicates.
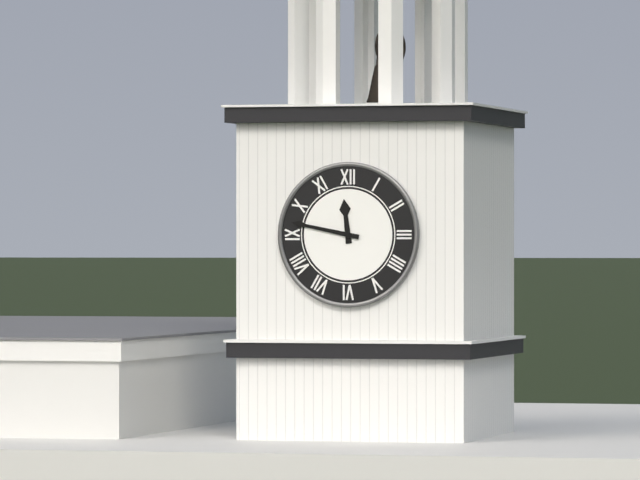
11:47
